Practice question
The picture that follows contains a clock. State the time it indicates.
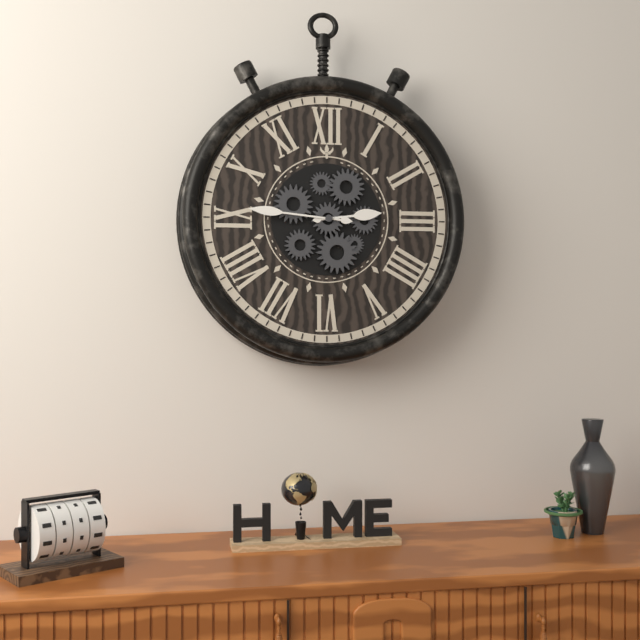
2:46
